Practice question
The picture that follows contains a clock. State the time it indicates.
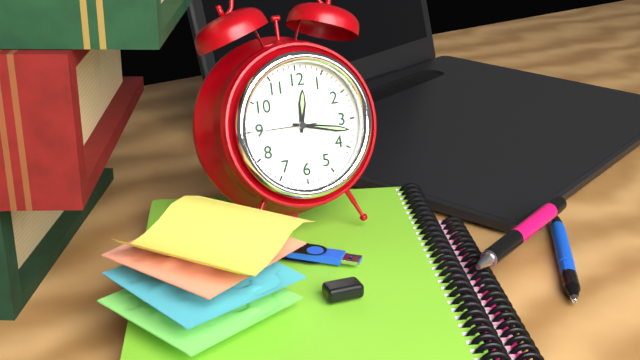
12:17:45
